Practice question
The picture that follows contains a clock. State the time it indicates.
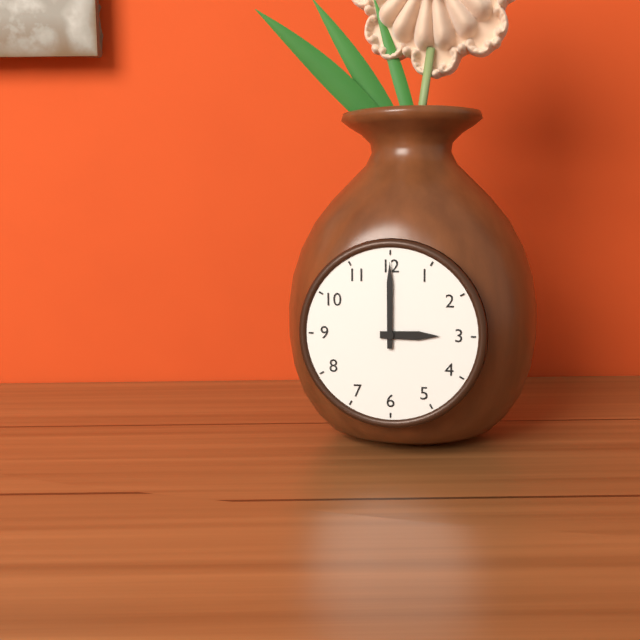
3:00
